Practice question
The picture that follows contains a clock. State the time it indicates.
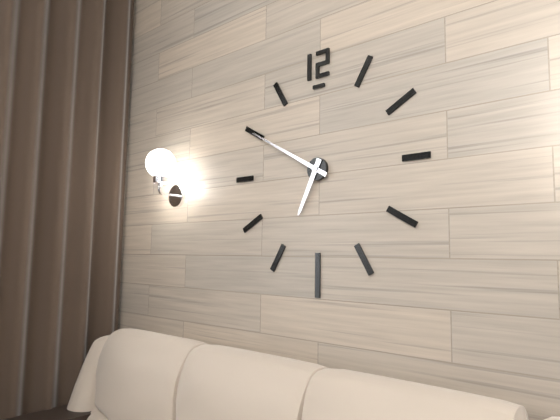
6:50
